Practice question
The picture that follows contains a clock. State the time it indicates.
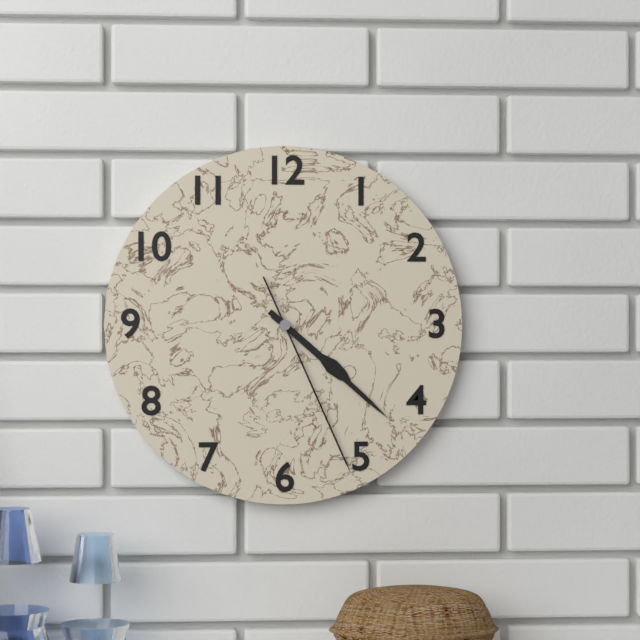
4:22:26
